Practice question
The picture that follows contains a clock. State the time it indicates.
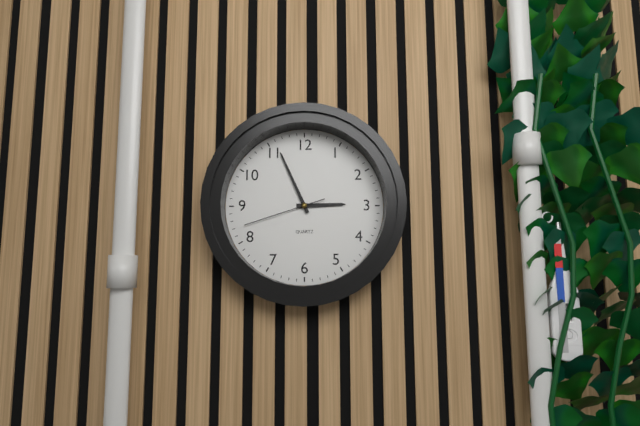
2:56:42
